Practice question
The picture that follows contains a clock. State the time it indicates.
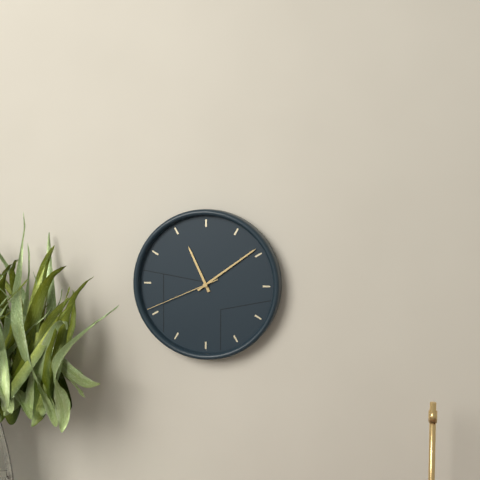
11:09:41
